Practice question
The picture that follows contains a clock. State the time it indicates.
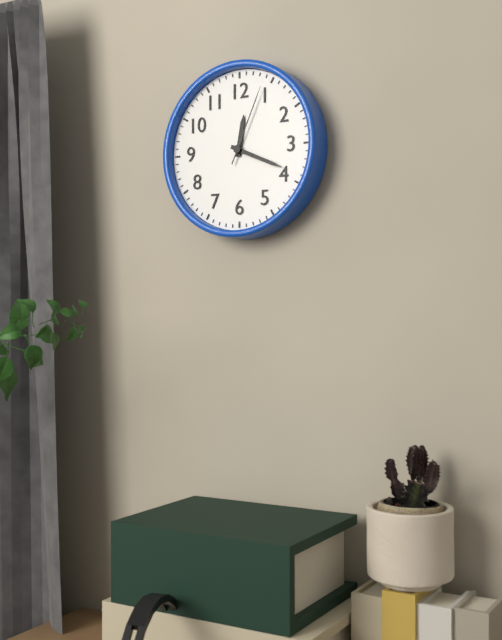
12:19:04
